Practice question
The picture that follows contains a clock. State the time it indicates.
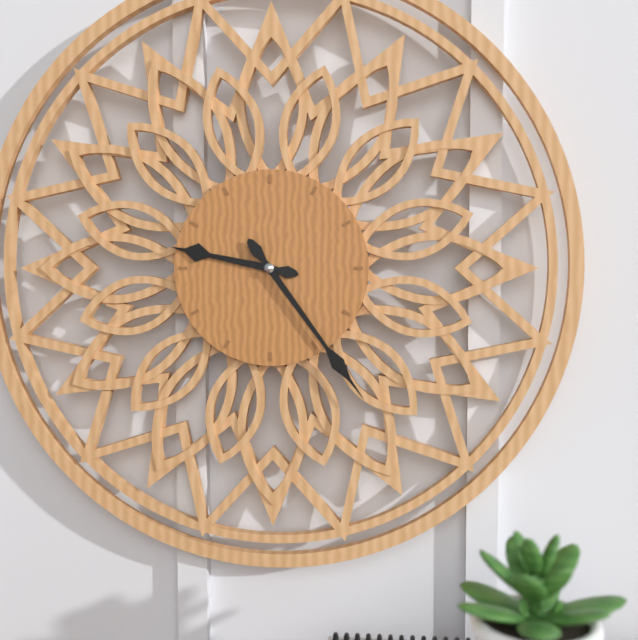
9:24
